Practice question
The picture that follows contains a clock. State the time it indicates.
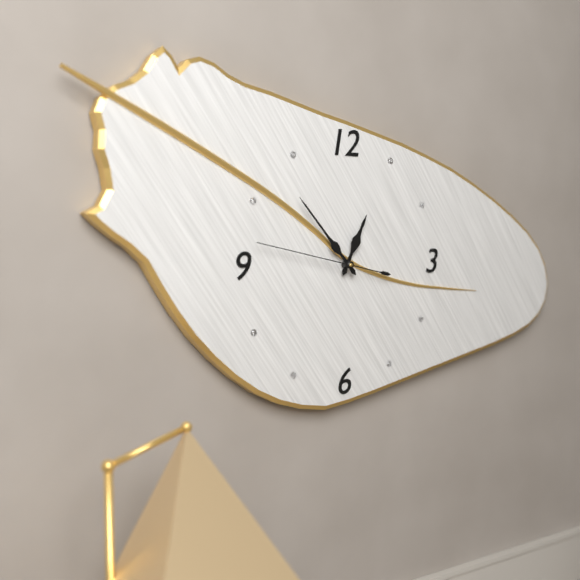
12:53:47
